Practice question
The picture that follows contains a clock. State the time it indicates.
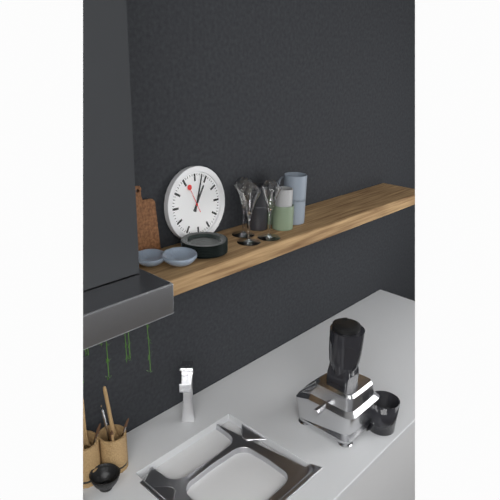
1:03
